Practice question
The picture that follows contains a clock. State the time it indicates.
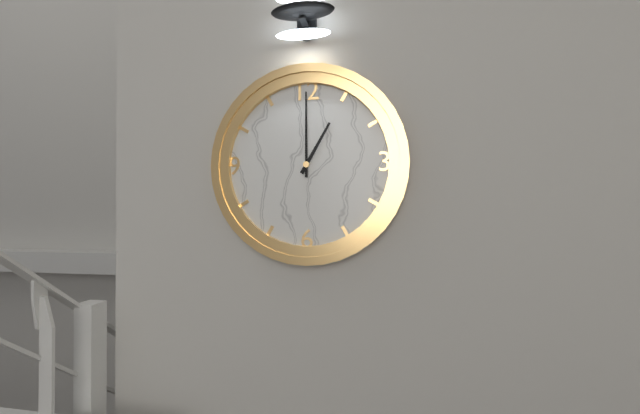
1:00
